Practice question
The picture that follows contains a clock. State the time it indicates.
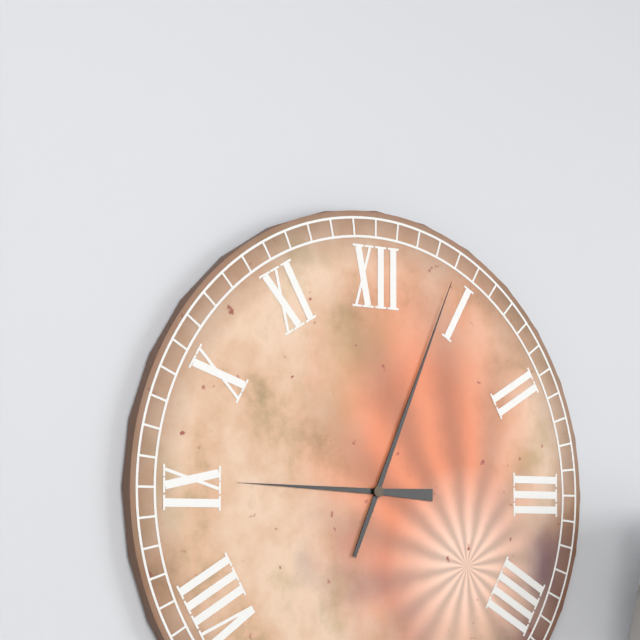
9:04
